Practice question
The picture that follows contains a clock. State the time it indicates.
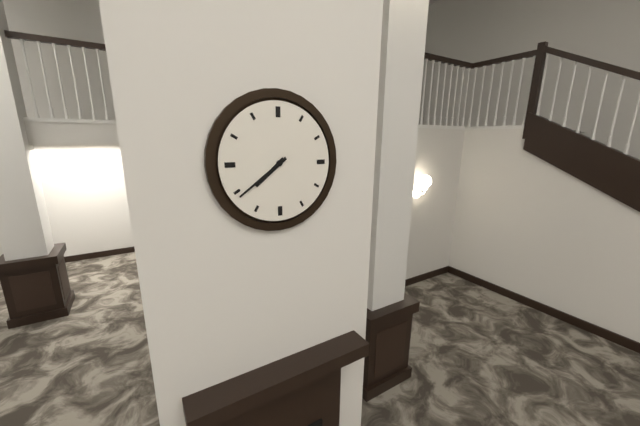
7:39
